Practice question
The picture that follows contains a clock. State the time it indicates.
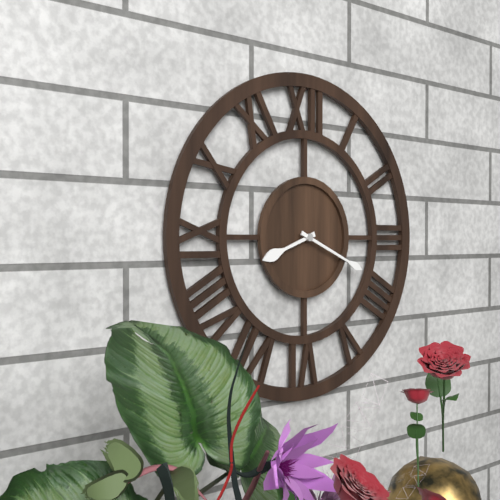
8:19
